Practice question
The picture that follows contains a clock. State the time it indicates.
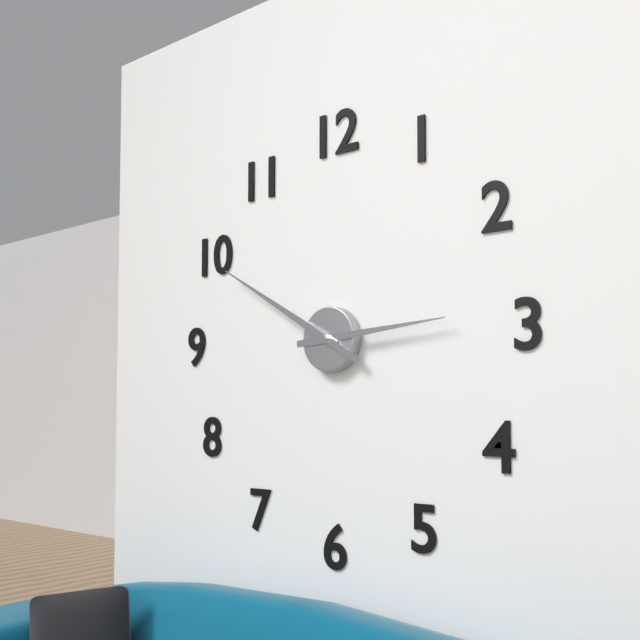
2:50
